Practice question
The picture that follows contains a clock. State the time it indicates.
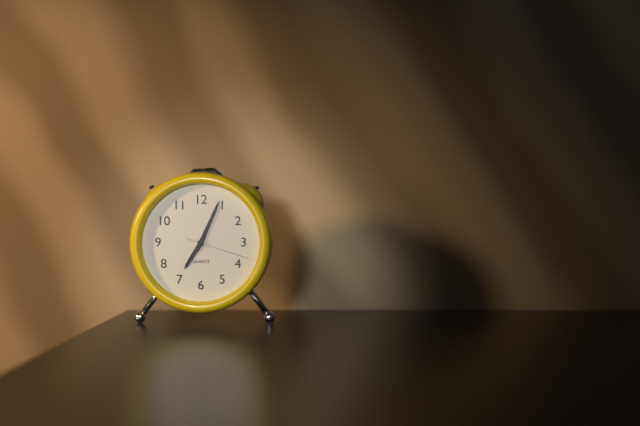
7:04:18
